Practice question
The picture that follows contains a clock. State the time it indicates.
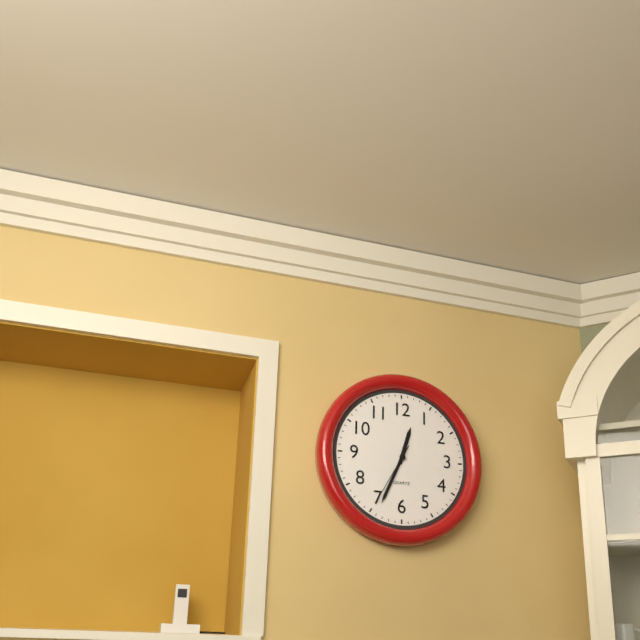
12:34:35
